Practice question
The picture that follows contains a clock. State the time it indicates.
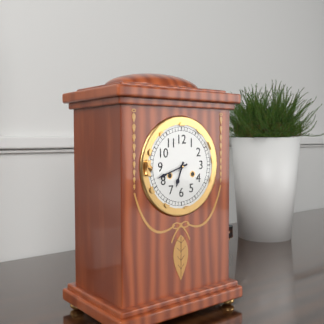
6:42
